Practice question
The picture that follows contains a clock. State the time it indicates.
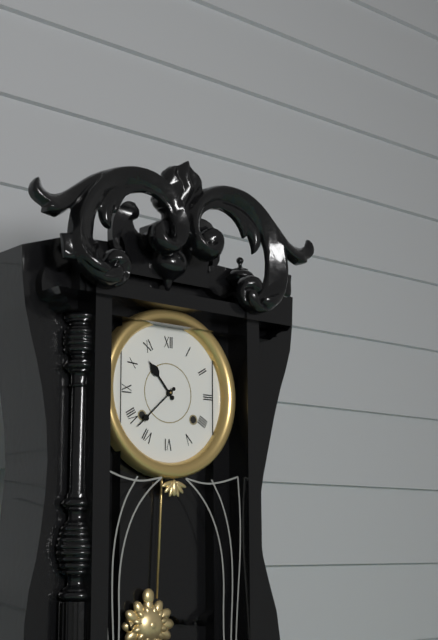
10:38
